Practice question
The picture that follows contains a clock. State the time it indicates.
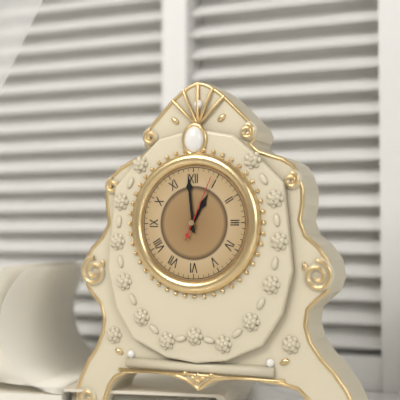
12:59:04
